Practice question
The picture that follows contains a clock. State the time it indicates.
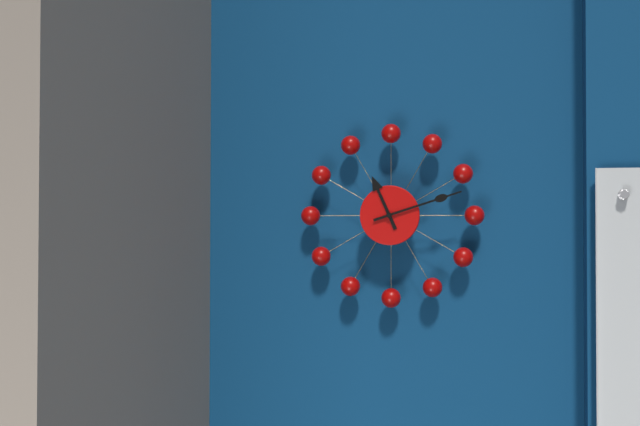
11:12
